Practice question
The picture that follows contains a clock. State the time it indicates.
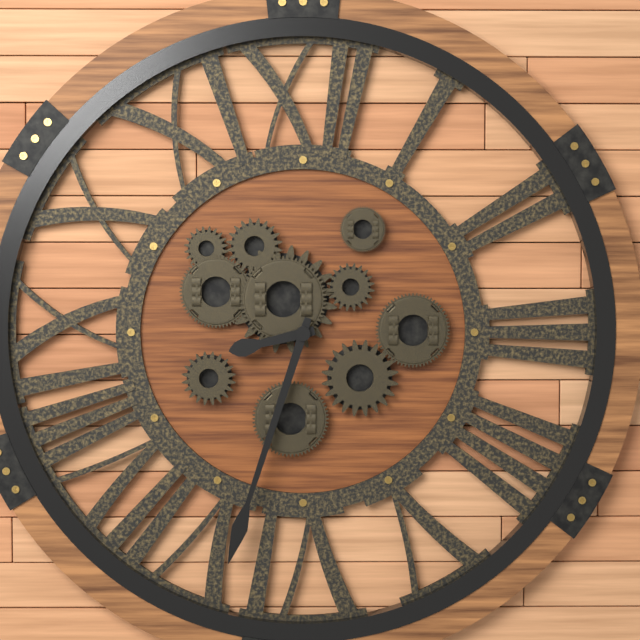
8:33
